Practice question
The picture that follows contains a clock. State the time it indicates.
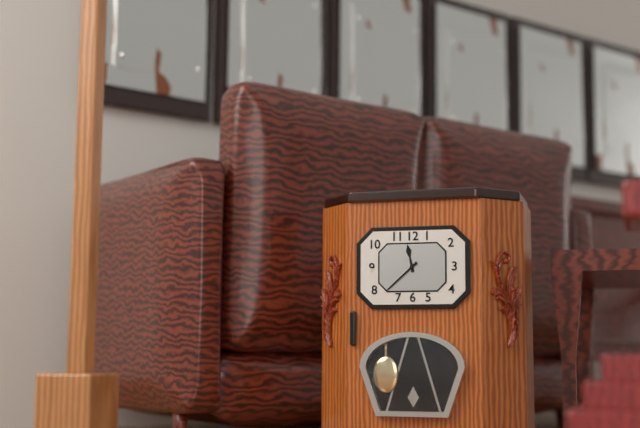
11:38
